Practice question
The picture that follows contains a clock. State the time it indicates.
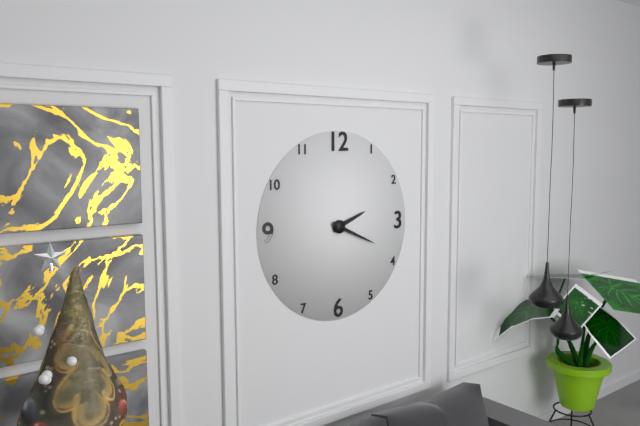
2:19
